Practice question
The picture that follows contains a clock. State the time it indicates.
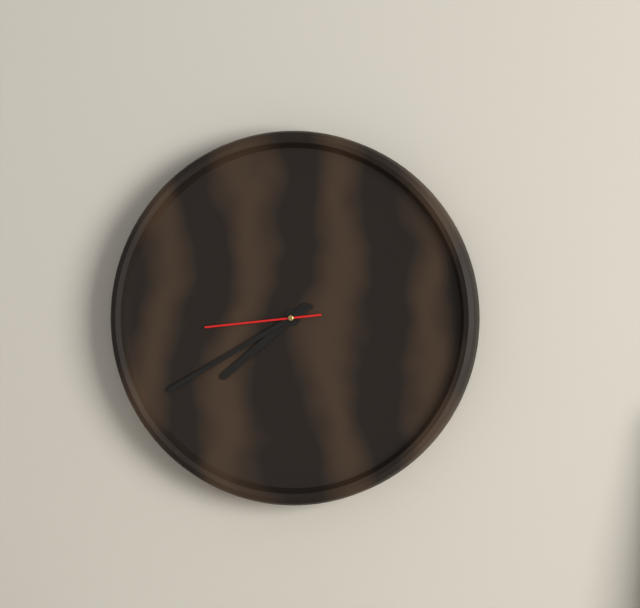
7:40:44
